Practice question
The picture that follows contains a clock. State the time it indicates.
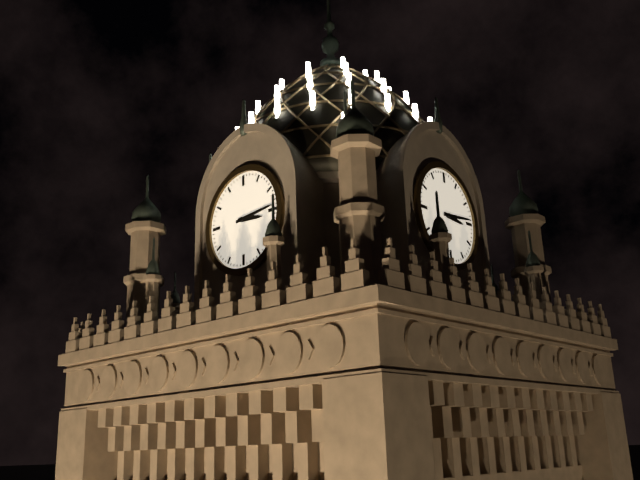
3:14
